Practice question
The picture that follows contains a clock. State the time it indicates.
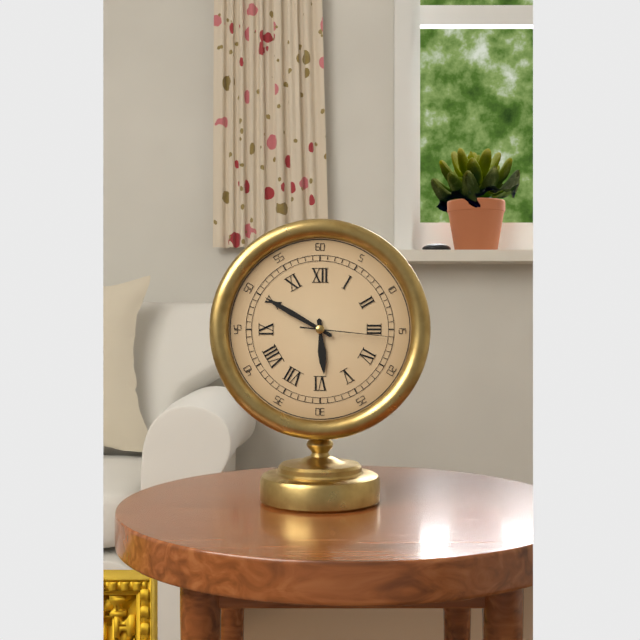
5:50:16
